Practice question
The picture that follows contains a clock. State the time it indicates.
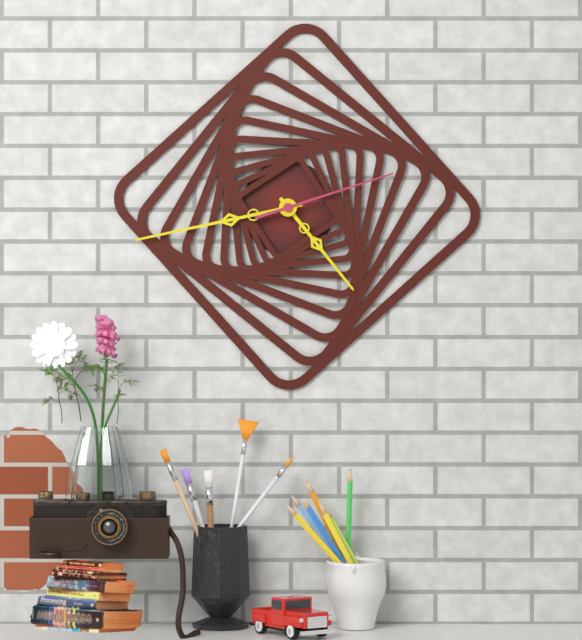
4:43:12
